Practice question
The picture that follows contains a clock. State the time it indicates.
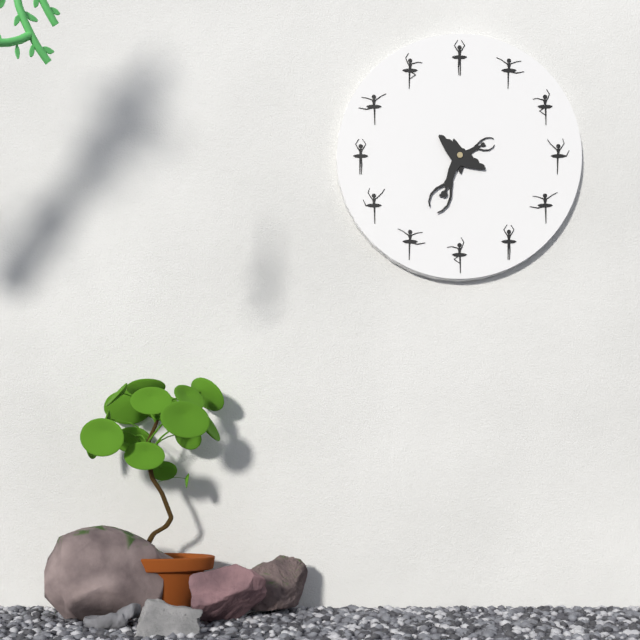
2:36
